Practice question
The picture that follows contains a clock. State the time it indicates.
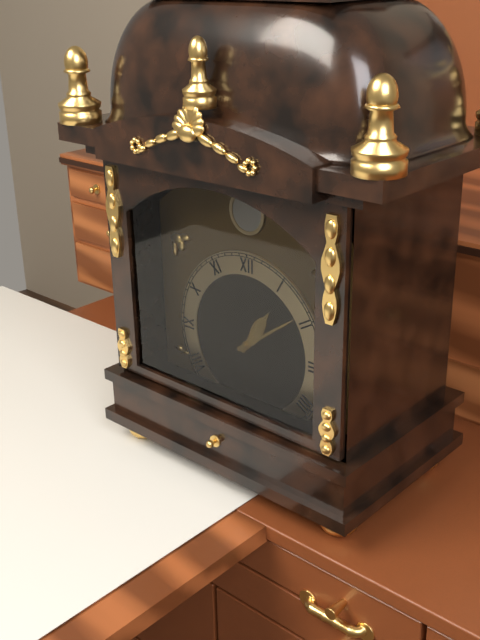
1:09
